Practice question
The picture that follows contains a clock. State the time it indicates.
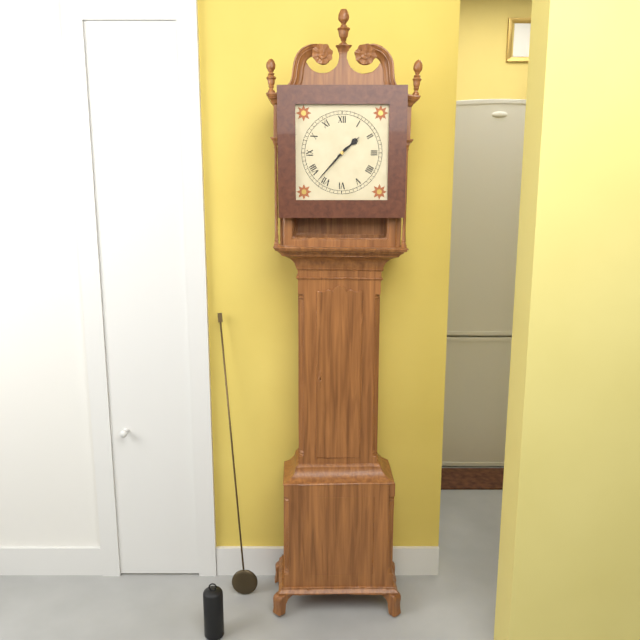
1:37
